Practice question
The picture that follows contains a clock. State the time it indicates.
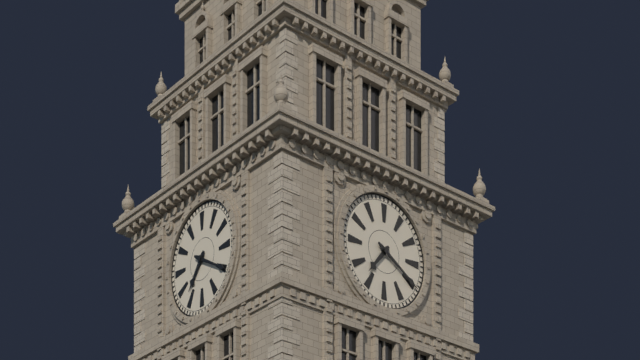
7:20
